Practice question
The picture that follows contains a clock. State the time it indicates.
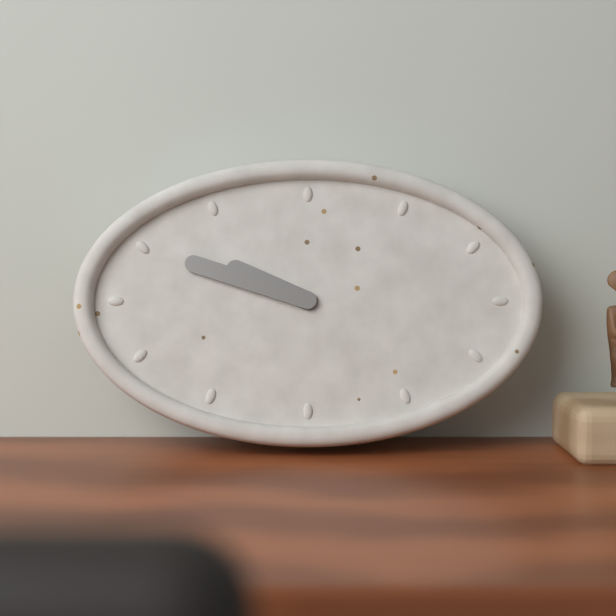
9:48
